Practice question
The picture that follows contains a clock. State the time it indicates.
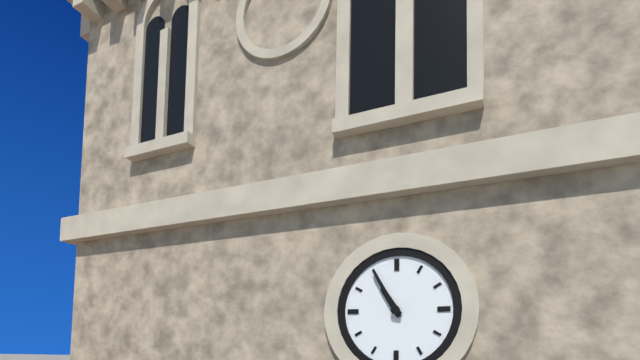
10:55
